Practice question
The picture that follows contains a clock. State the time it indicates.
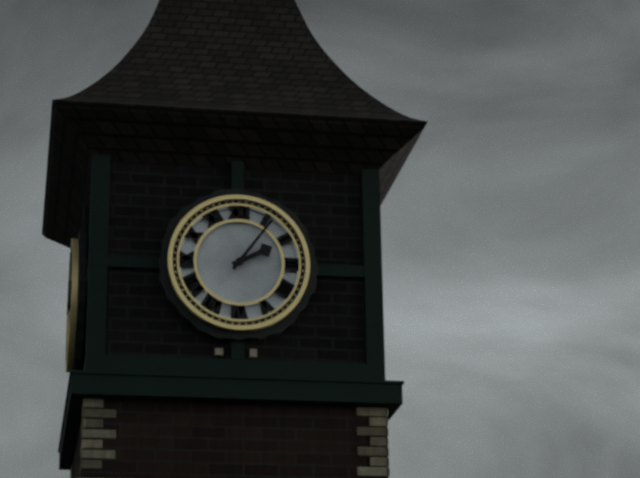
2:06
